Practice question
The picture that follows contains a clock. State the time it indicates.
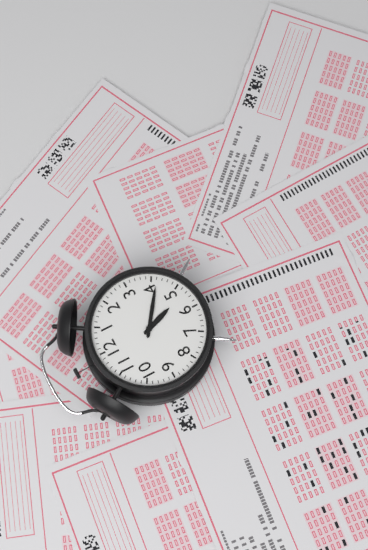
5:21
